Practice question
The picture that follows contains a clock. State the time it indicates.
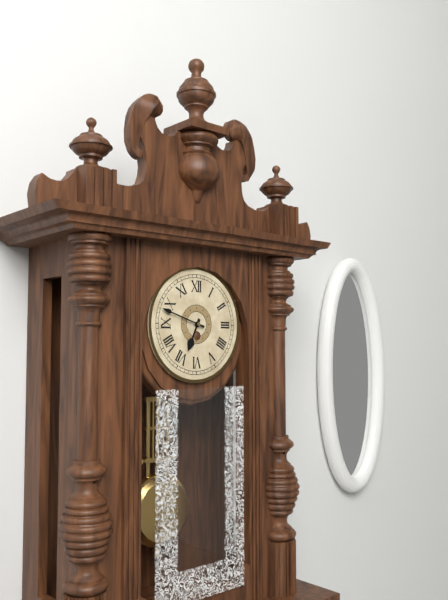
6:48
